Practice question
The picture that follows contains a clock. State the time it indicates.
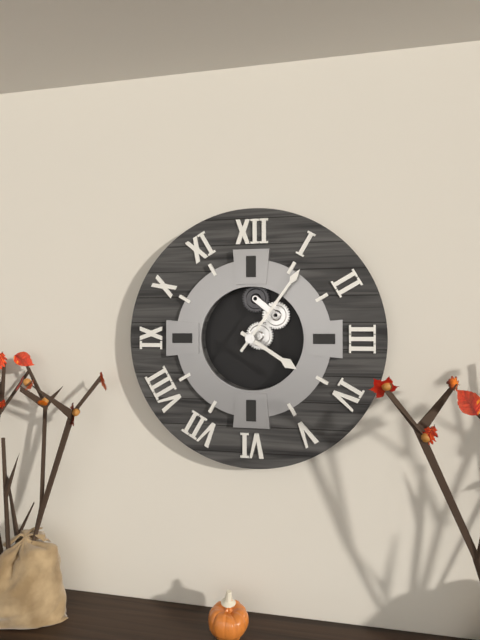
4:06
